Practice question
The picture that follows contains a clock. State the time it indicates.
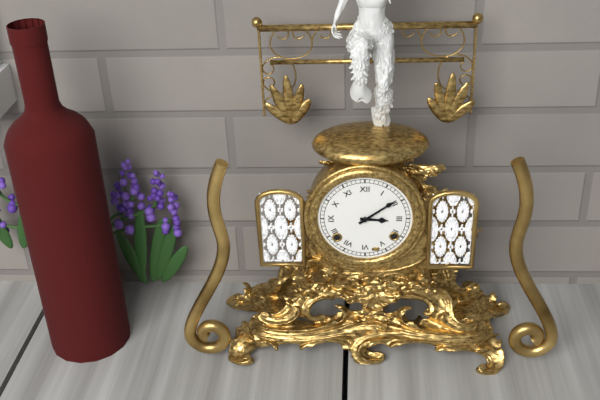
3:09
